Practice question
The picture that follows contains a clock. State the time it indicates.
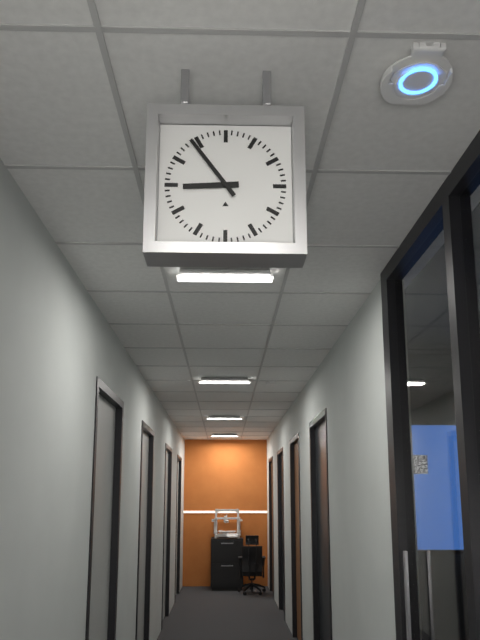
8:54
